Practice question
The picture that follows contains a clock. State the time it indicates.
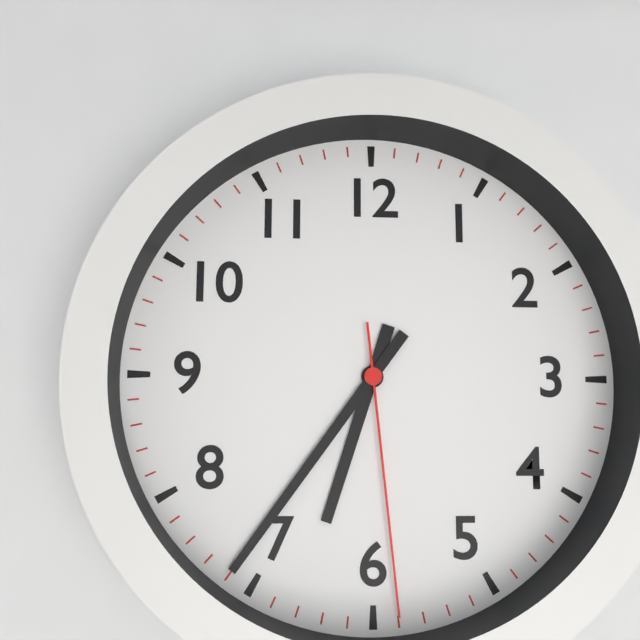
6:36:29
